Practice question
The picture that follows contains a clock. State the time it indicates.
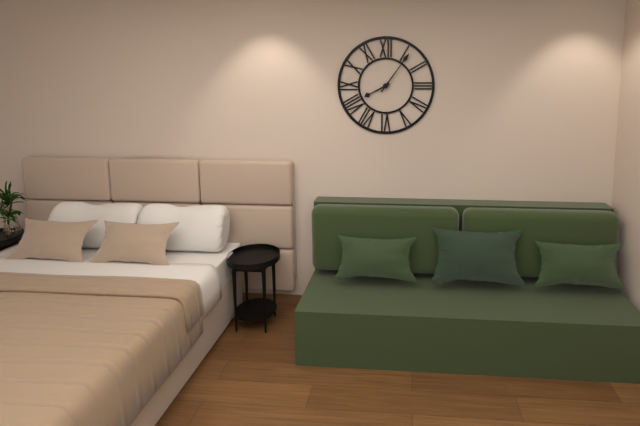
8:06
